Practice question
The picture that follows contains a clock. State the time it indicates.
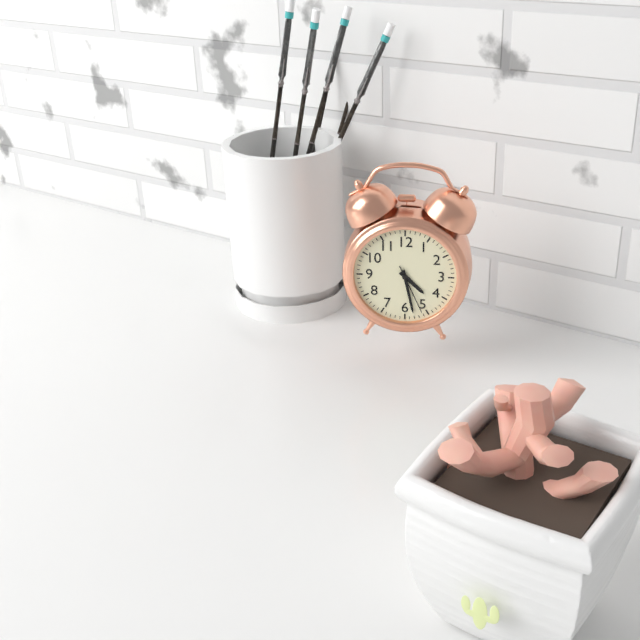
4:28:26
